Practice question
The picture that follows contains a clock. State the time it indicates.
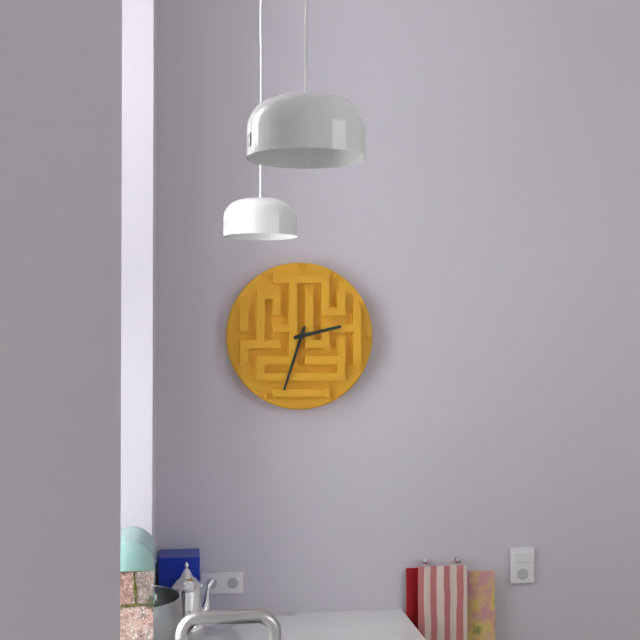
2:33
